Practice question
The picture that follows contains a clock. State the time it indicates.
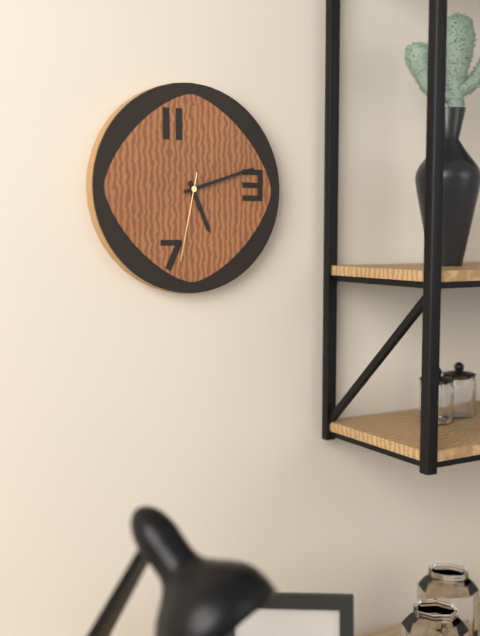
5:12:32
